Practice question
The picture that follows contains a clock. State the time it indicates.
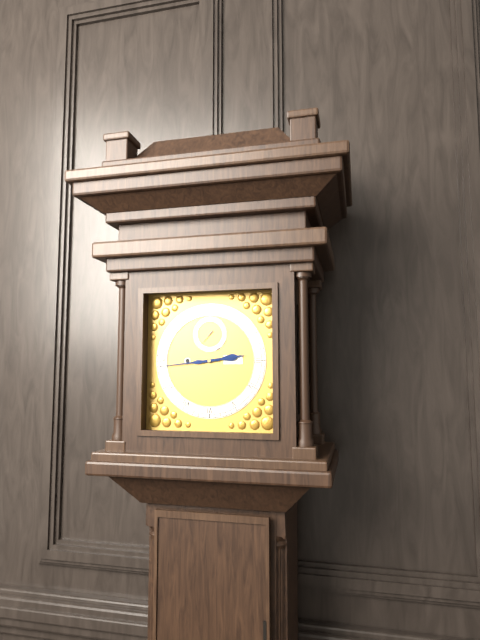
2:44
